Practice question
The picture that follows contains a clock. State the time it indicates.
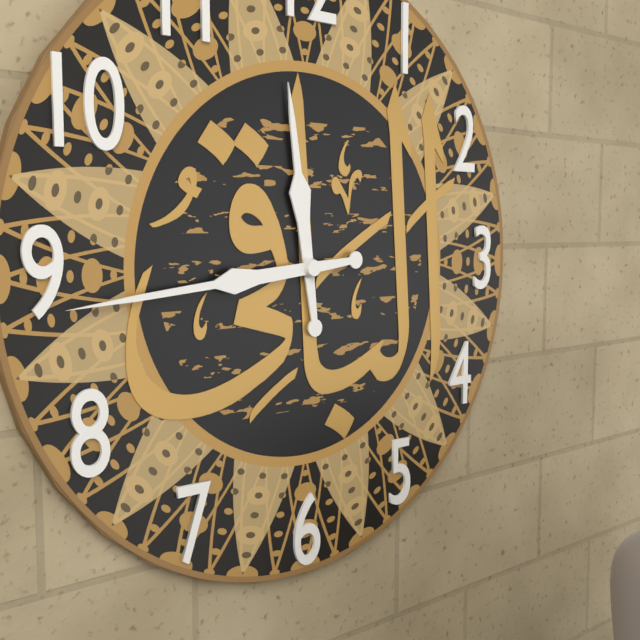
11:44
